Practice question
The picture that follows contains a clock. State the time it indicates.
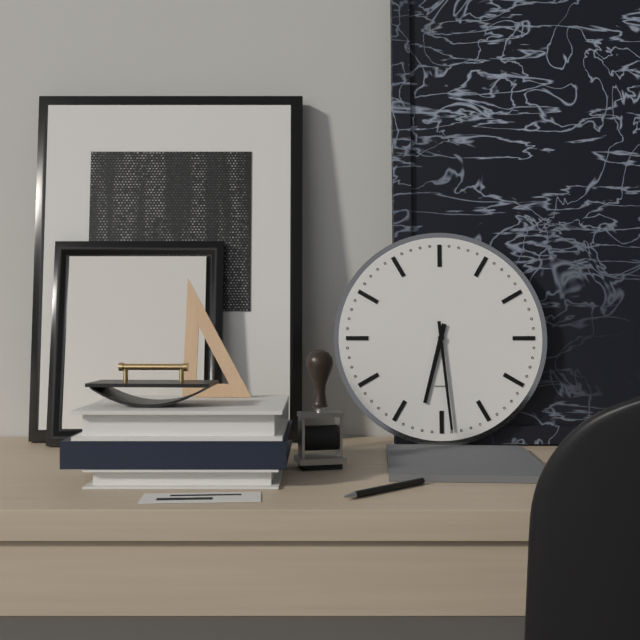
6:29
